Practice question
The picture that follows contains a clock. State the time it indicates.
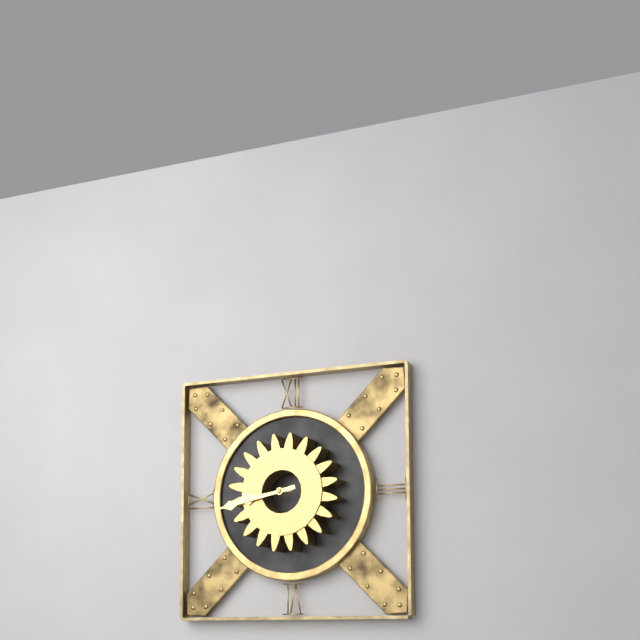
8:43
